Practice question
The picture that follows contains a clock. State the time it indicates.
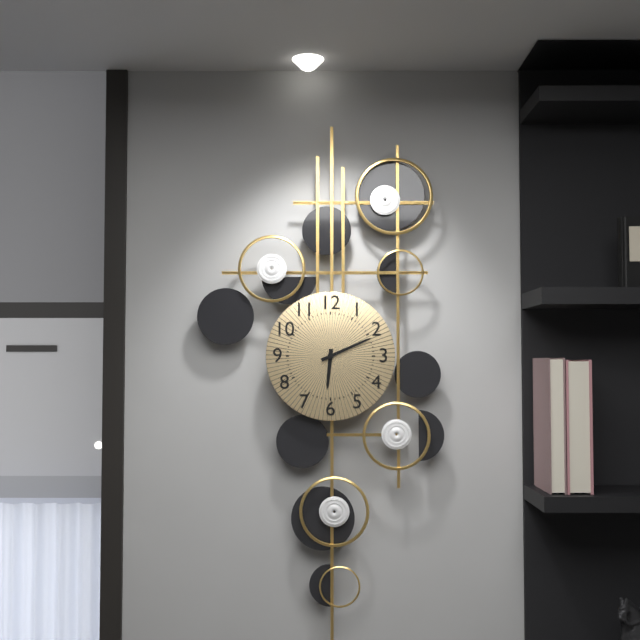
6:11
